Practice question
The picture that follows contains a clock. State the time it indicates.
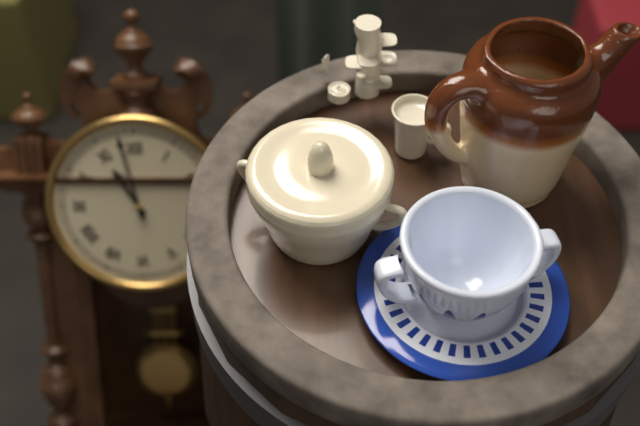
10:58
